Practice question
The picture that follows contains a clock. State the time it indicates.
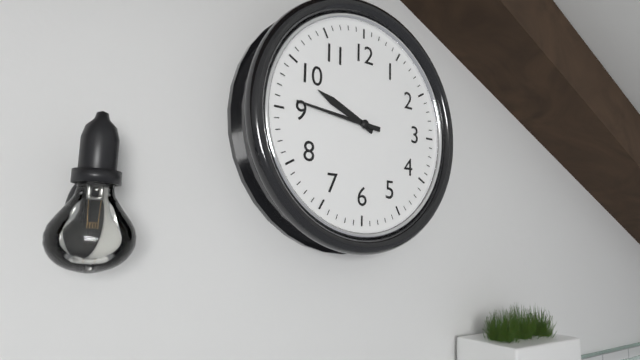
9:46
